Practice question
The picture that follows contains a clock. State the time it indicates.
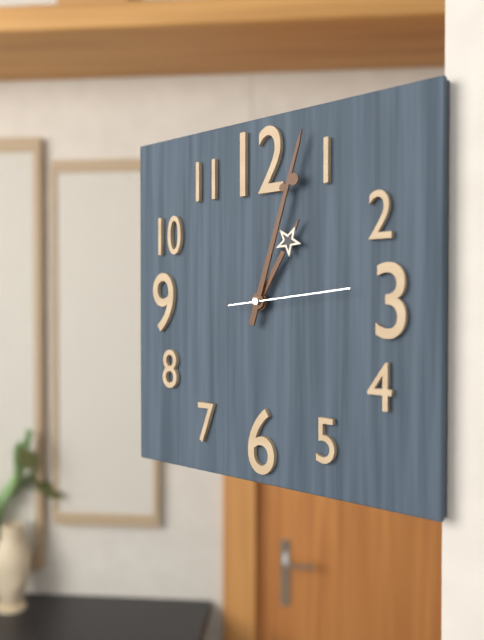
1:03:14
